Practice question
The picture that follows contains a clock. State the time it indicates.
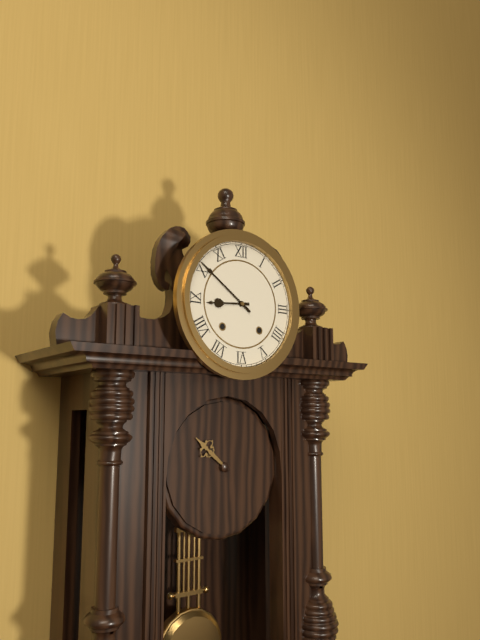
8:51
